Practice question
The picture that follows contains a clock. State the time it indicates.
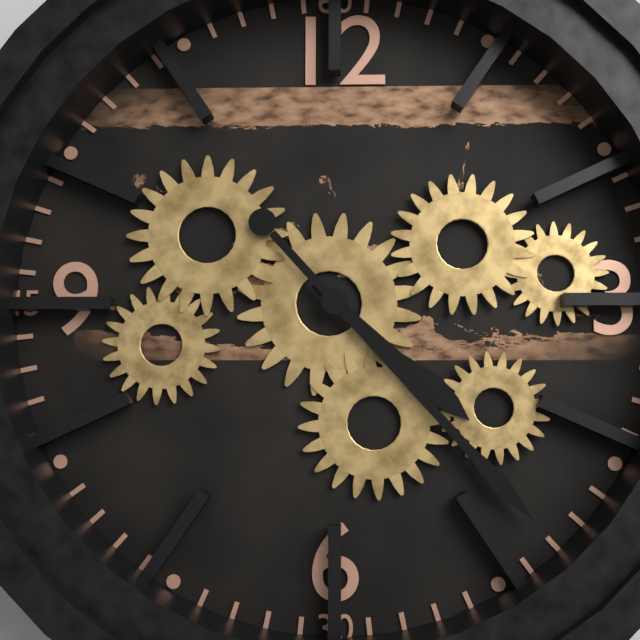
4:23
